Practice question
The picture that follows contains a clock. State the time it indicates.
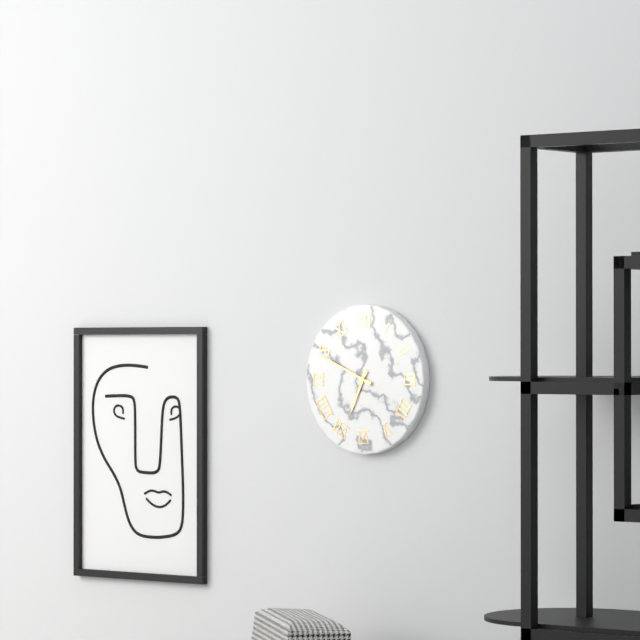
6:49
